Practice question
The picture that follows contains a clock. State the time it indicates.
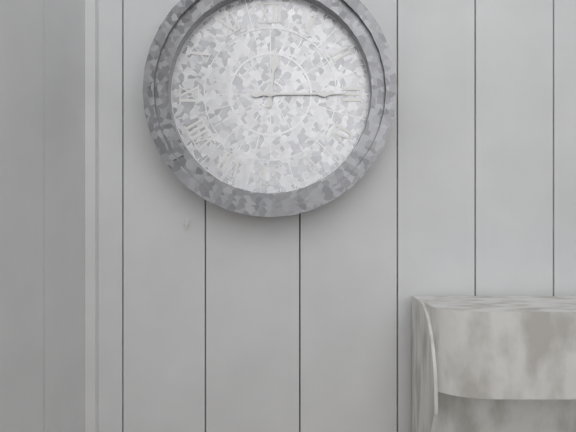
12:15
